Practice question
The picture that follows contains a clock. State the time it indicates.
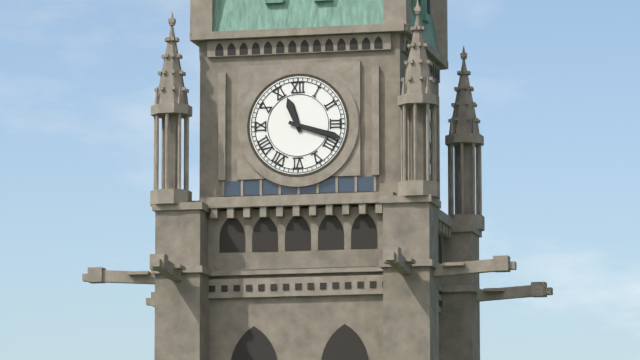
11:18
